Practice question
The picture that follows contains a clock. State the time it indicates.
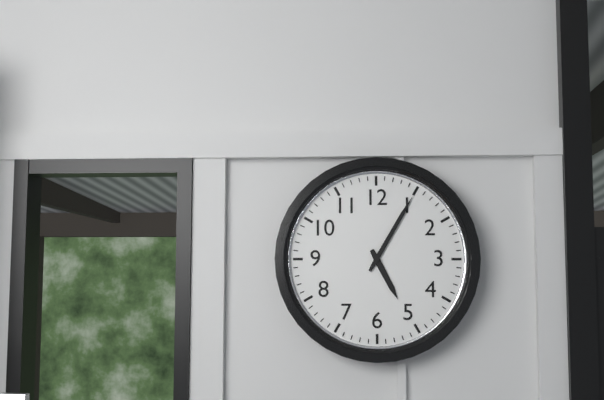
5:05
